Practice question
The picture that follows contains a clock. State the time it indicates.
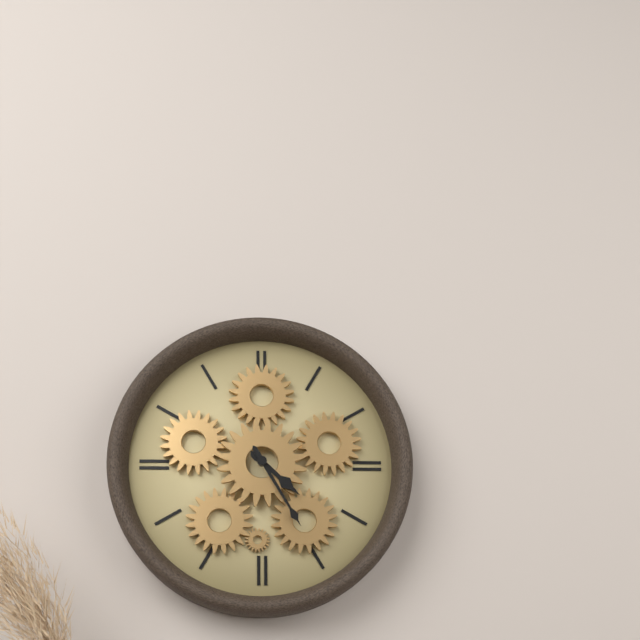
4:25
